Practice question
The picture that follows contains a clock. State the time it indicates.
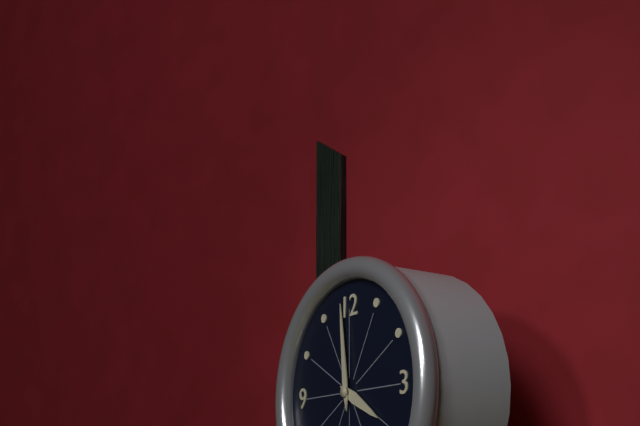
3:59
